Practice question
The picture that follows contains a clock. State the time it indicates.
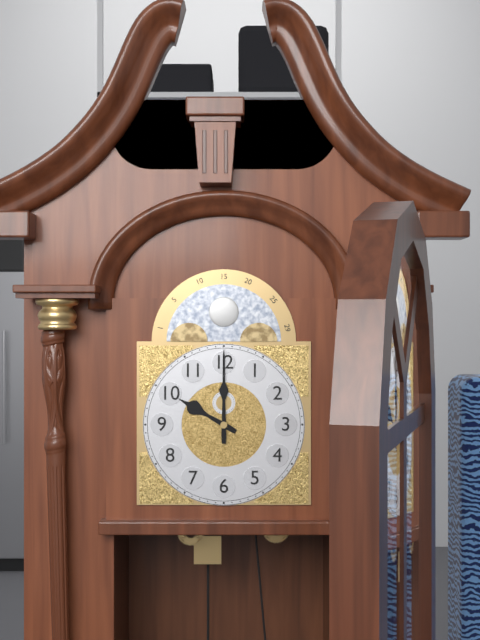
10:00
